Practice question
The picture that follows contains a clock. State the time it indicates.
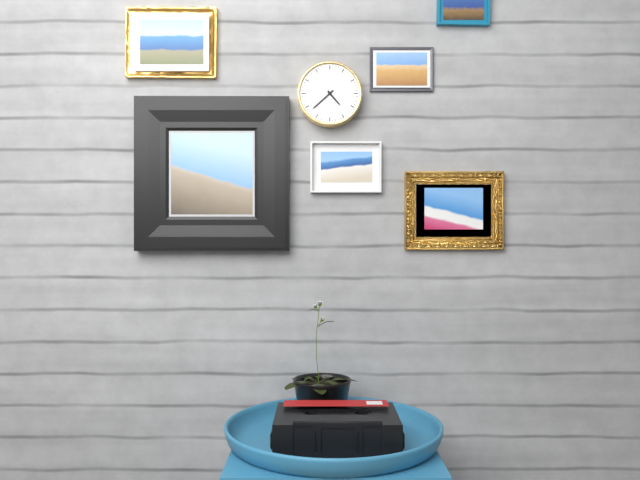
4:38
